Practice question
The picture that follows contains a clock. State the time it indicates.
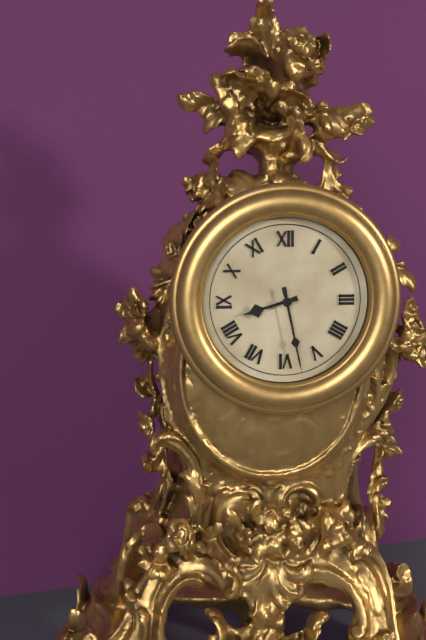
8:28
